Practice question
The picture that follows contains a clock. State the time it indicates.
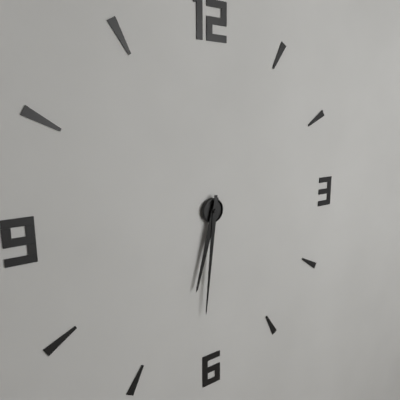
6:31
